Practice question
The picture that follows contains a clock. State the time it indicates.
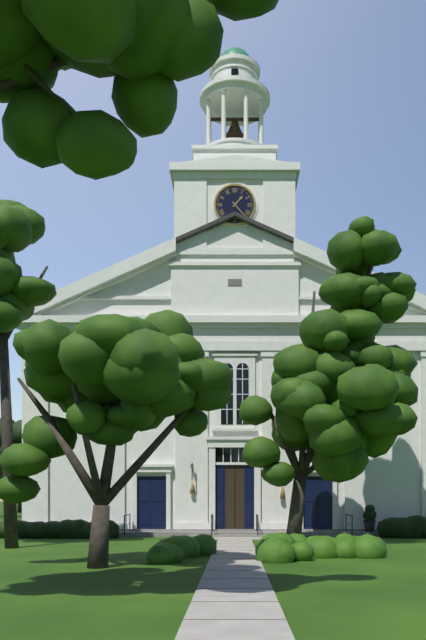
1:23
